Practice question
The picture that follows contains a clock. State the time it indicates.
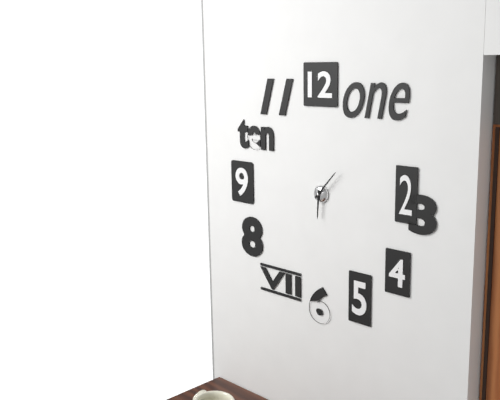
6:07
